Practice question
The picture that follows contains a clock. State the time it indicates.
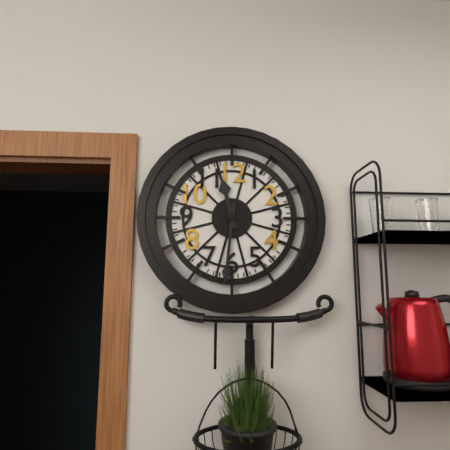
11:31
